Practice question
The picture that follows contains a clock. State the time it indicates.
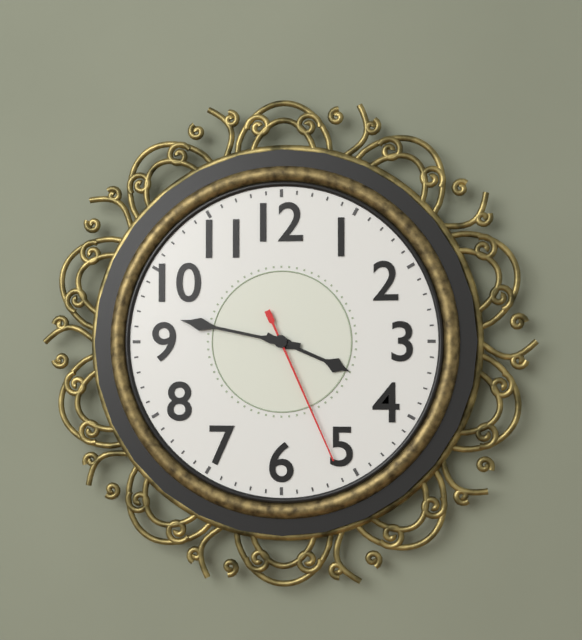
3:47:26
